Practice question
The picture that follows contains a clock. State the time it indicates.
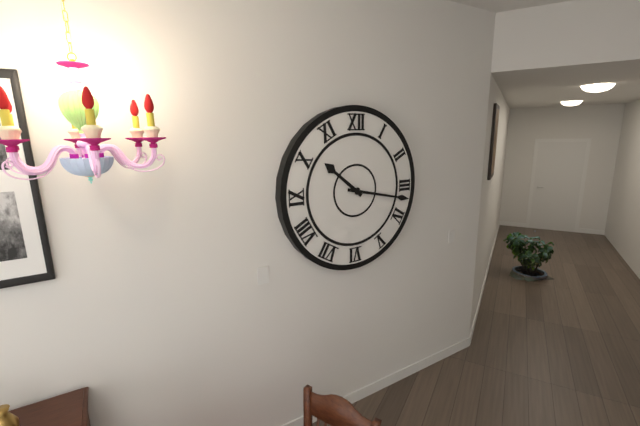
10:17
